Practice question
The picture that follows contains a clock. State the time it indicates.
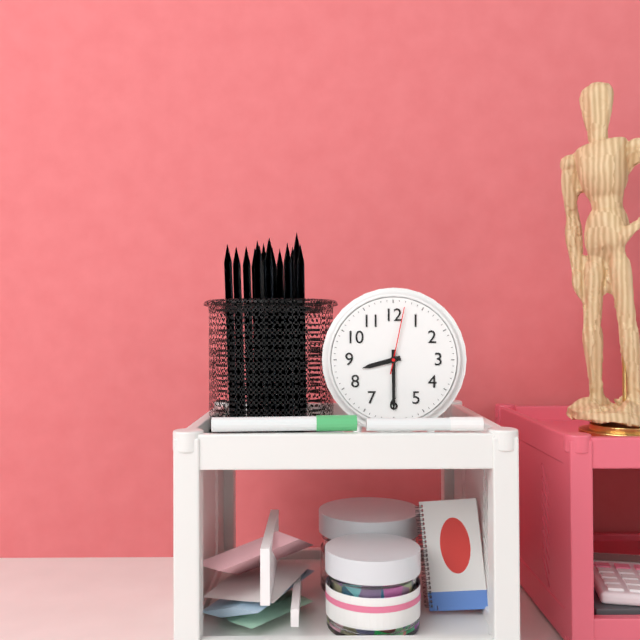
8:30:02
